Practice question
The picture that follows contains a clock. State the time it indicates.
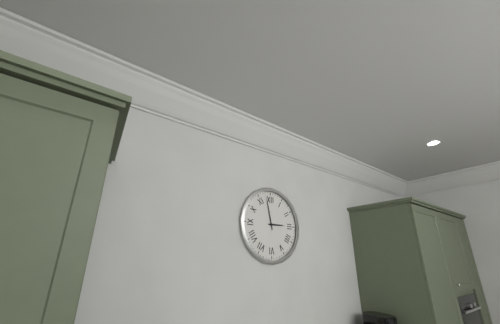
2:58
